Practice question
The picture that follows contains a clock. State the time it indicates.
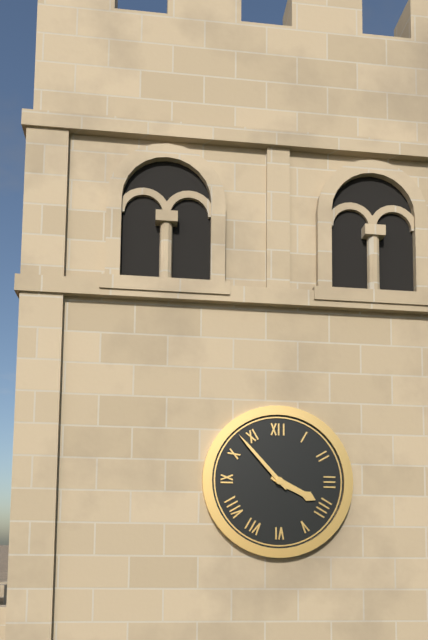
3:53
